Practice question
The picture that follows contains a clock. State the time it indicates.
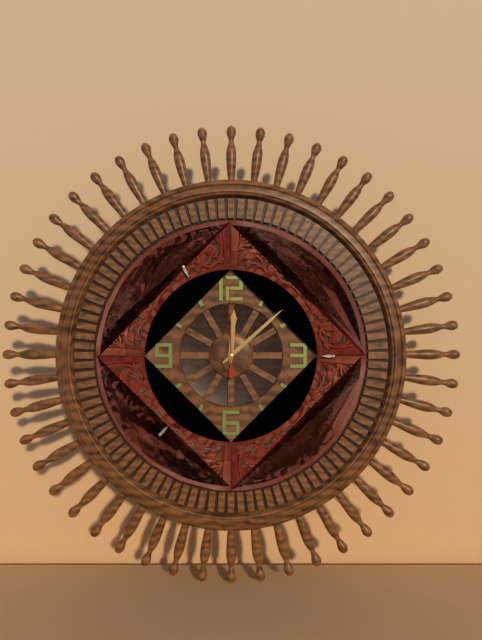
12:08:00
